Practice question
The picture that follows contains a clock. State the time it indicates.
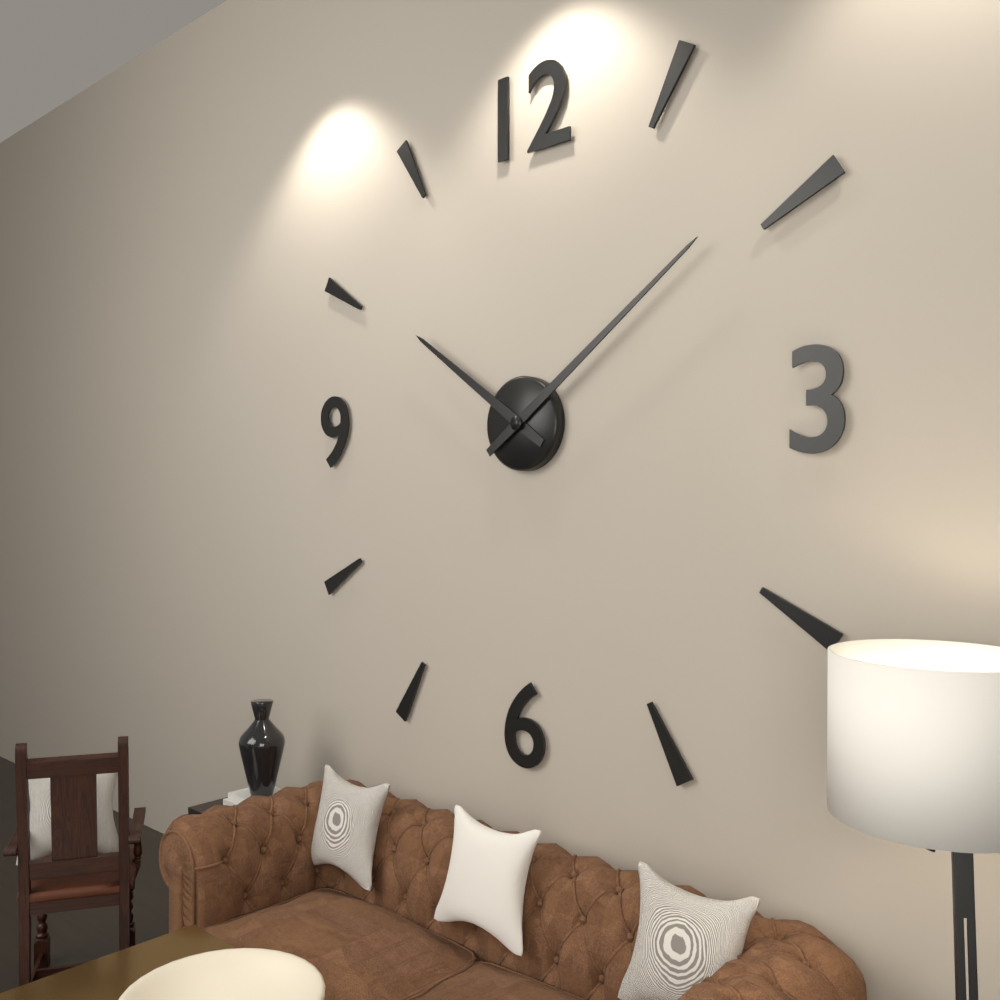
10:09
